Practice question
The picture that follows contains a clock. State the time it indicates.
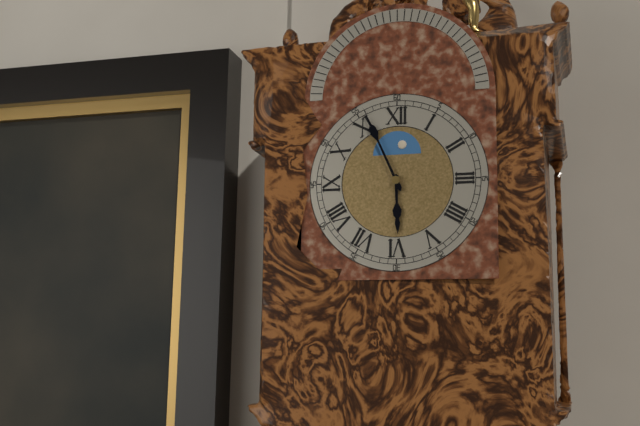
5:56
